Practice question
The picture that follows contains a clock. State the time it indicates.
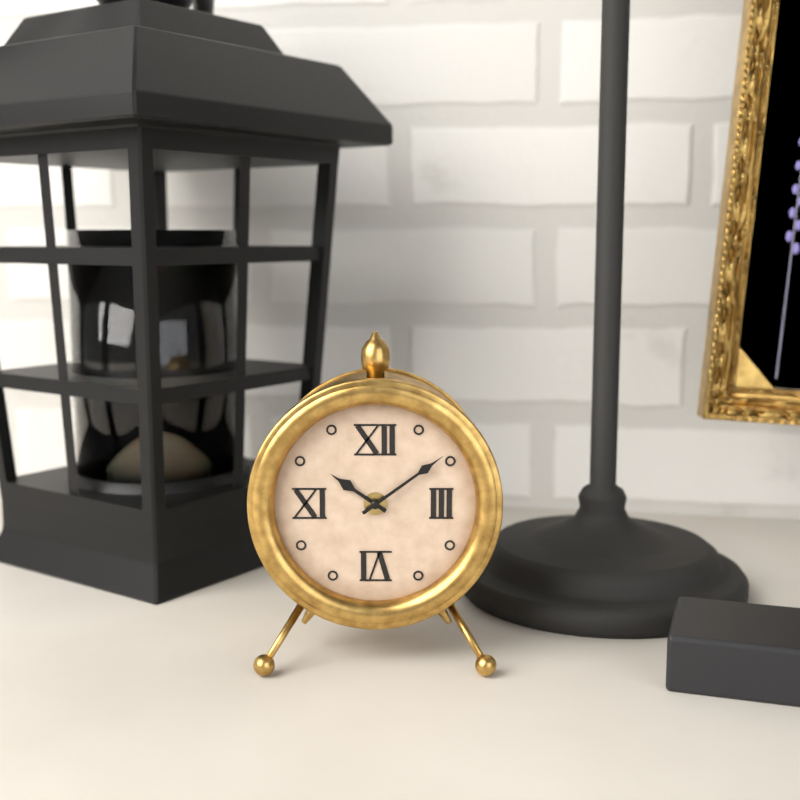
10:09
